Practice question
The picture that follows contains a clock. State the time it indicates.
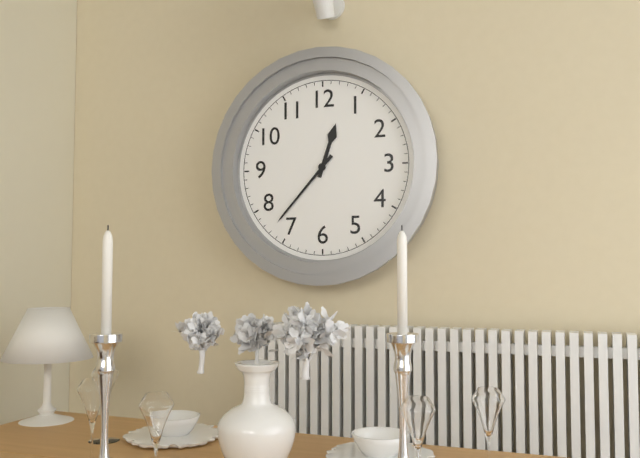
12:37
